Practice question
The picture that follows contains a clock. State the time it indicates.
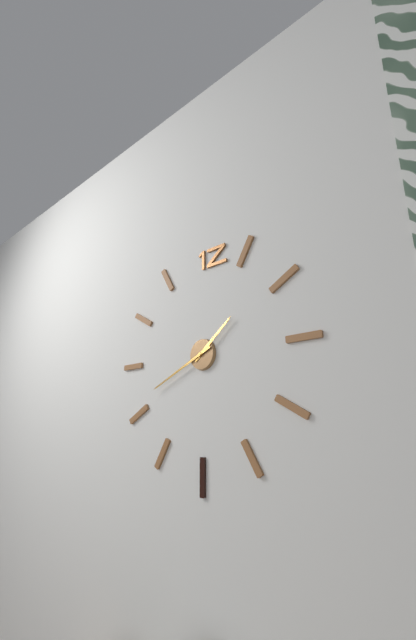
1:41
